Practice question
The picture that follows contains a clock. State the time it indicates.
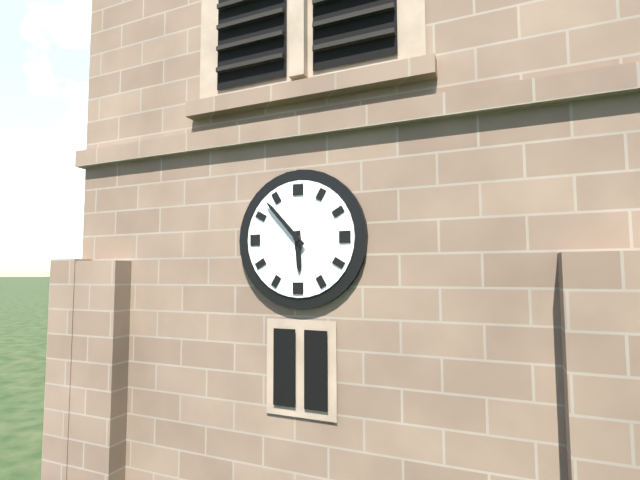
5:53
